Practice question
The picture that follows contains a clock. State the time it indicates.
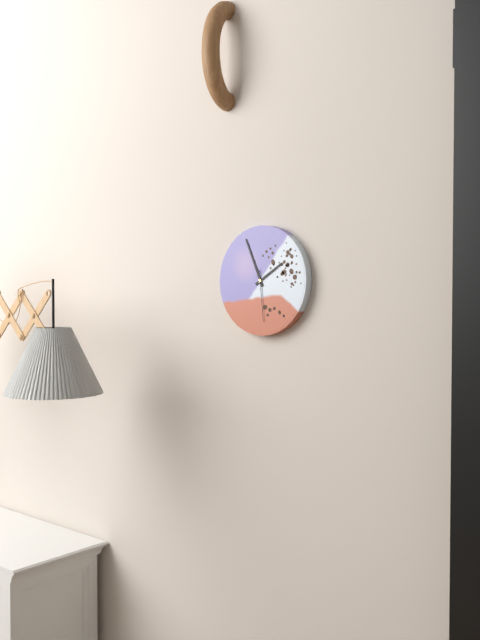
1:56:29
